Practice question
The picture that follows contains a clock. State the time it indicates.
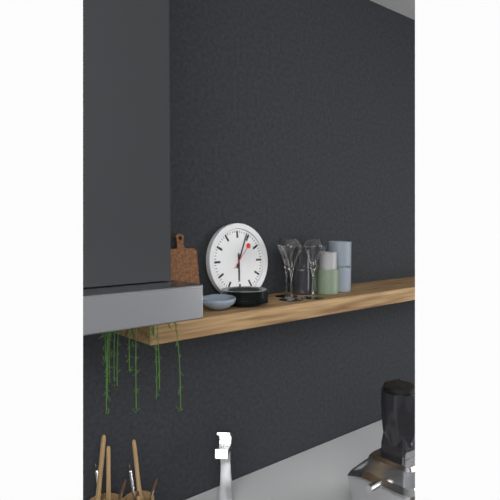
6:04
